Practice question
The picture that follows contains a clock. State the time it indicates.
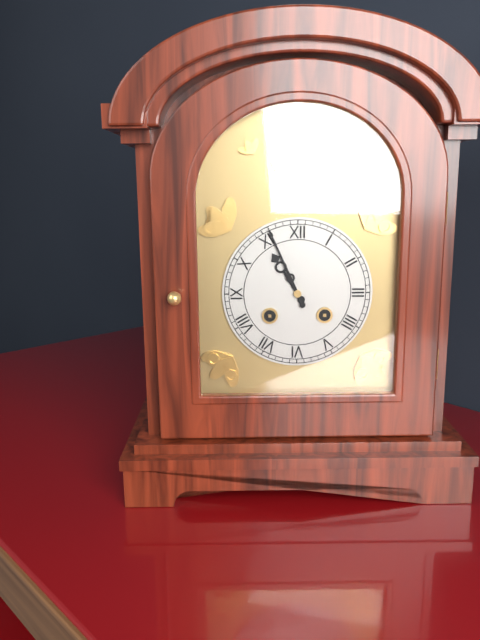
10:56
